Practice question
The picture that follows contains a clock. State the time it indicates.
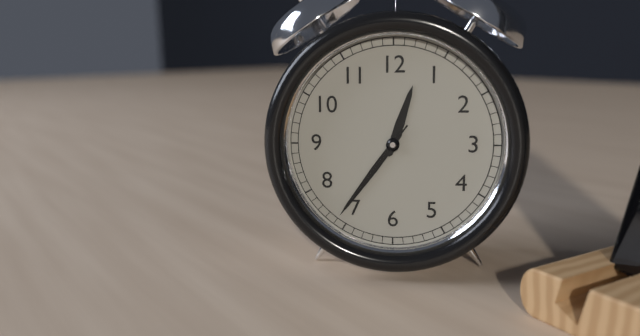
12:36:36
